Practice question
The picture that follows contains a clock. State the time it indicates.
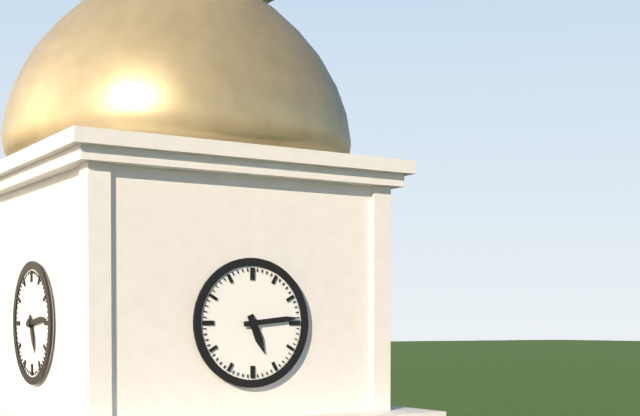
5:14
